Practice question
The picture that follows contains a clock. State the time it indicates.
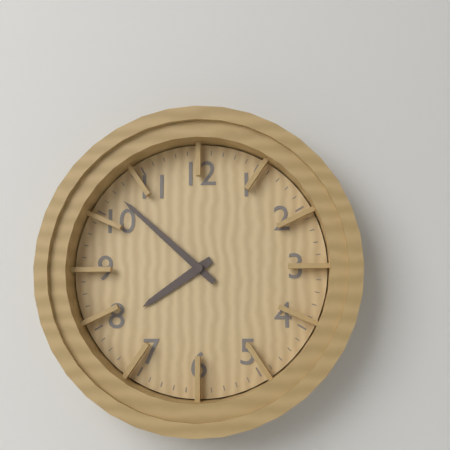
7:52
